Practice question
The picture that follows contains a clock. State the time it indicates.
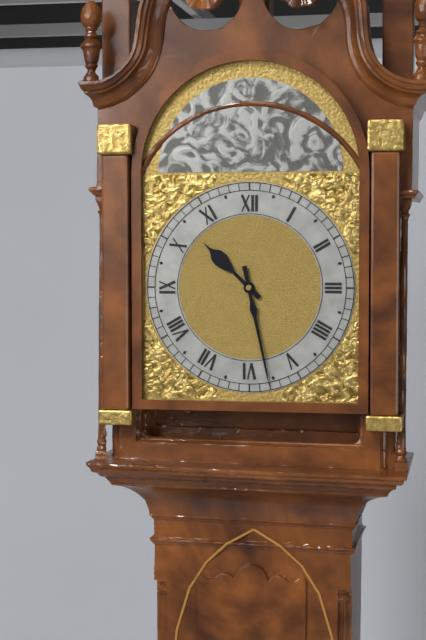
10:28
